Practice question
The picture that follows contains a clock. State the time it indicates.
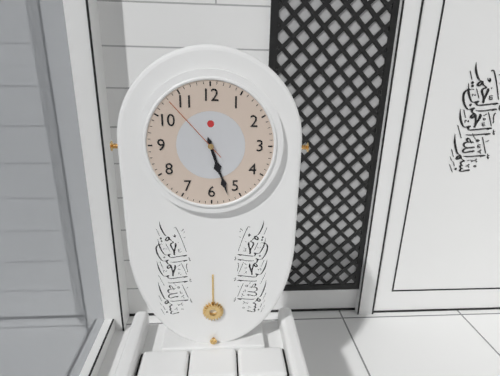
5:27:53
